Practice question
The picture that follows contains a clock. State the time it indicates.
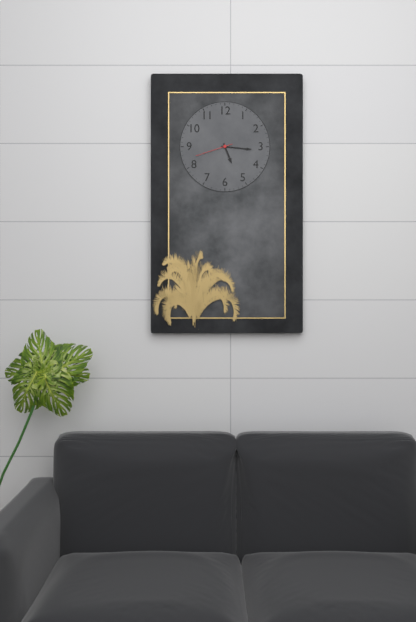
5:16
